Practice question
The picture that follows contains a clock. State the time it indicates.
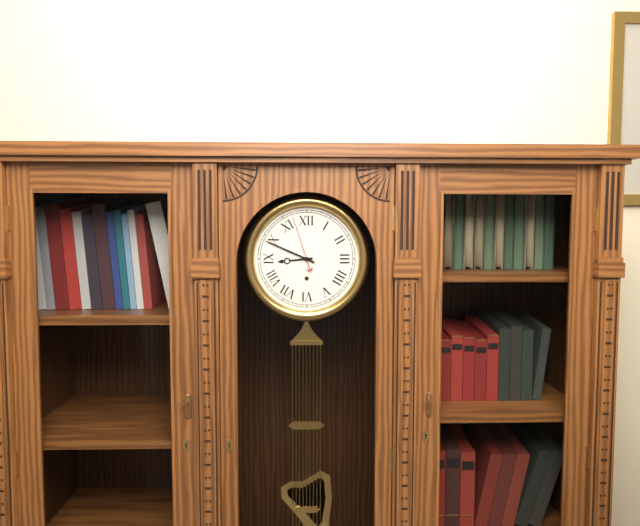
8:49:57
